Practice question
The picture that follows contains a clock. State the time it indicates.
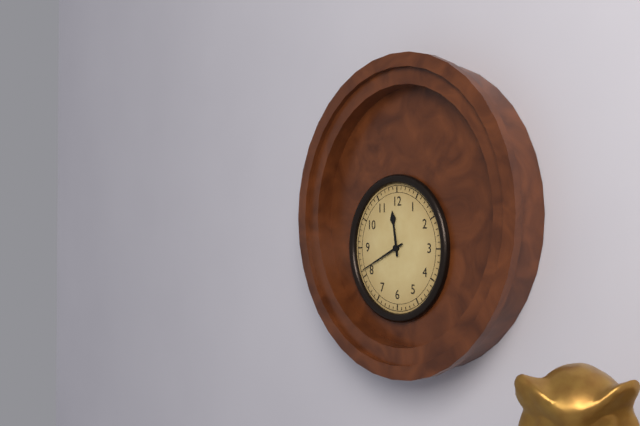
11:41
